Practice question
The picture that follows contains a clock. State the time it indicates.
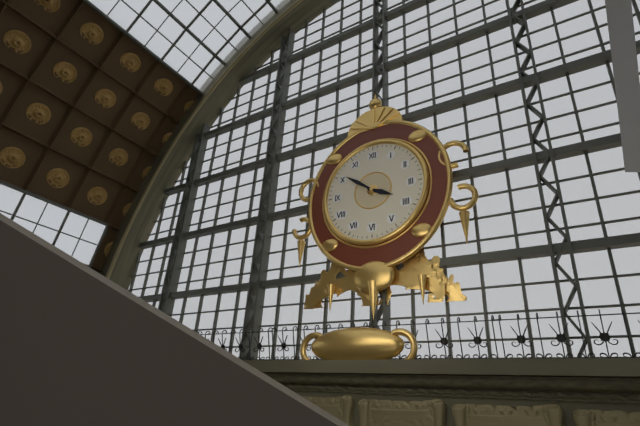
3:51
